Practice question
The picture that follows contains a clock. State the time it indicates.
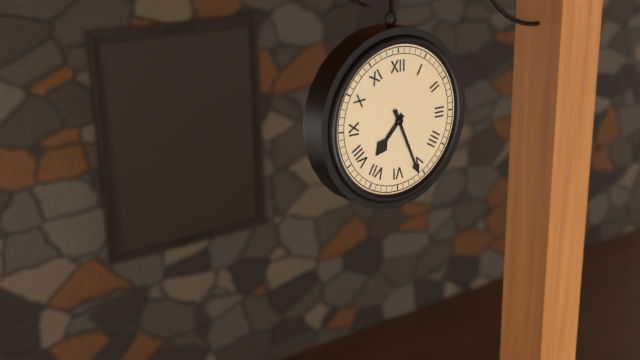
7:26
